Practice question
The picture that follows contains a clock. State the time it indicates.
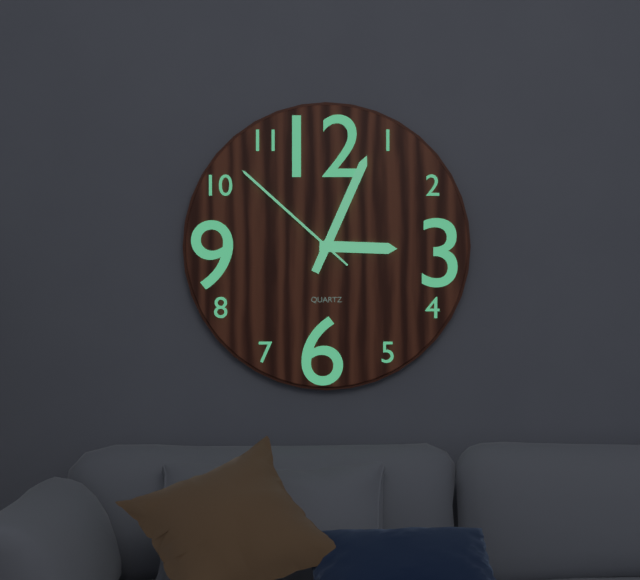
3:04:52
